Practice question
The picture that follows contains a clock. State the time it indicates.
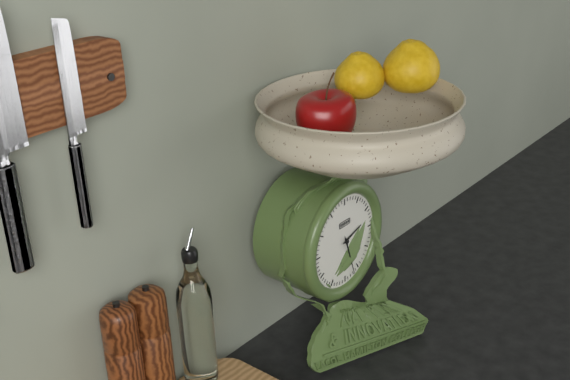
2:27
